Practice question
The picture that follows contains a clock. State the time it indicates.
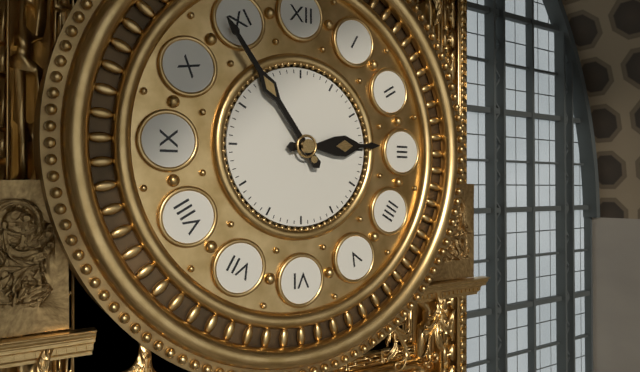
2:54
